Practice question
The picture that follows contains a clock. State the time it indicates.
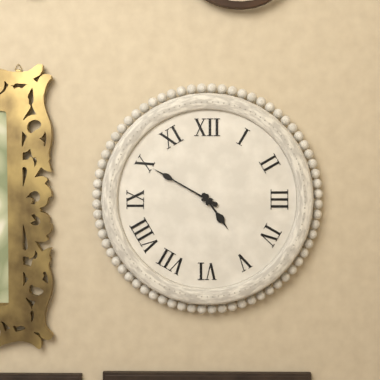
4:50
